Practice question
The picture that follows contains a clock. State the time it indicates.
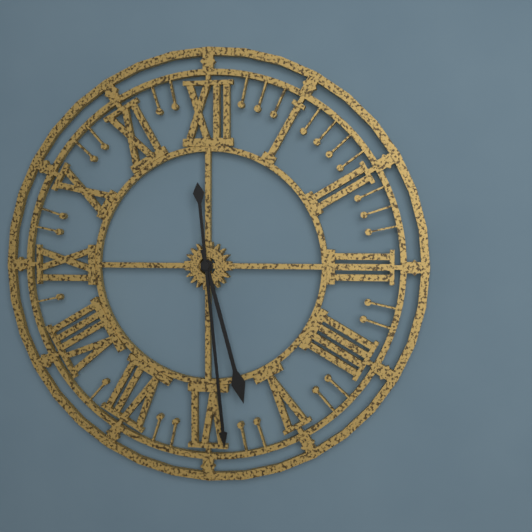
5:29
